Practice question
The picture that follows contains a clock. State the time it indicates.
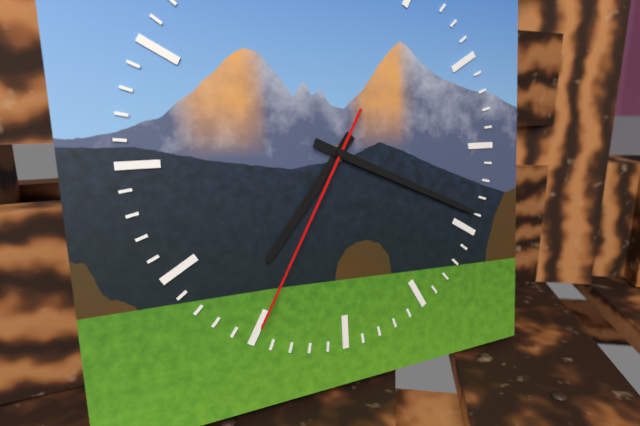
7:19:35
